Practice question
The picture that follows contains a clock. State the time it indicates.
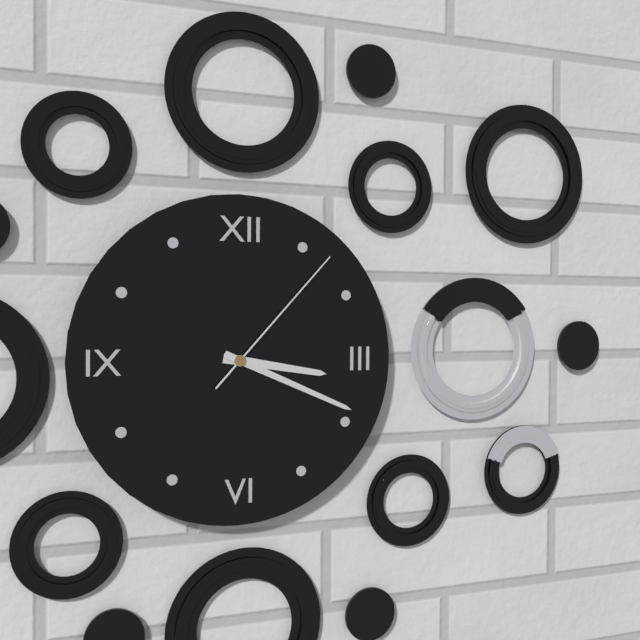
3:19:07
